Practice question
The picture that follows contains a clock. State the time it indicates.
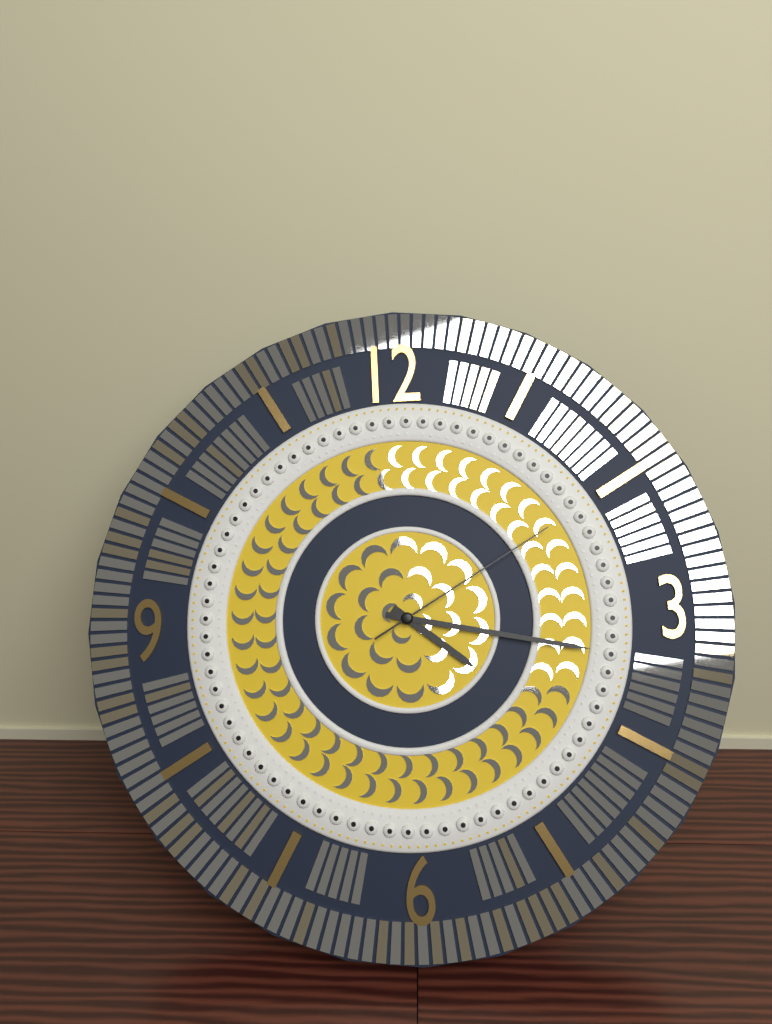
4:17:10
